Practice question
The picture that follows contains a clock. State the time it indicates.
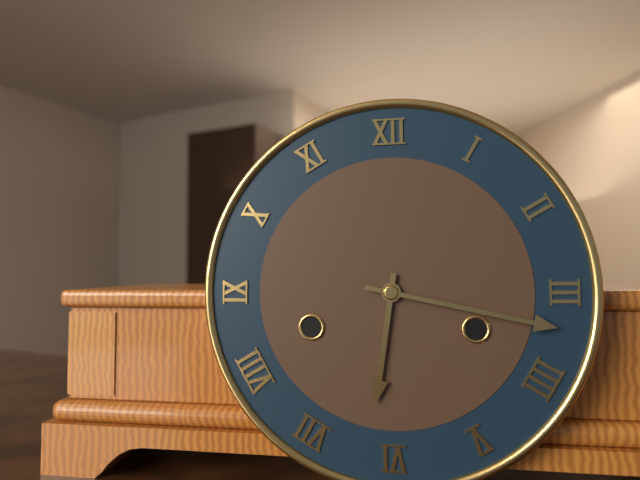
6:17
